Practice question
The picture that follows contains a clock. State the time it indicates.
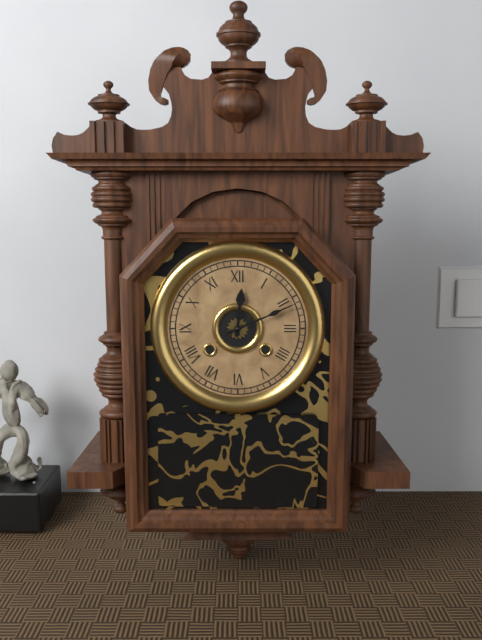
12:11
